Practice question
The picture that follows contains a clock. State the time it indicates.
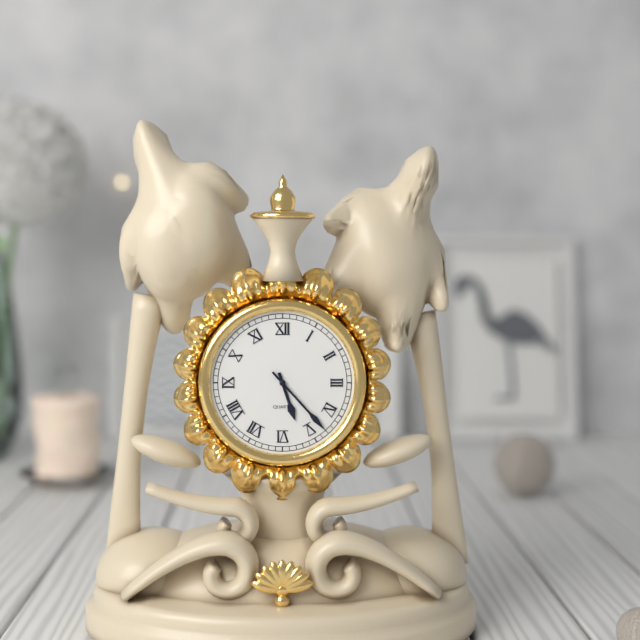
5:23
